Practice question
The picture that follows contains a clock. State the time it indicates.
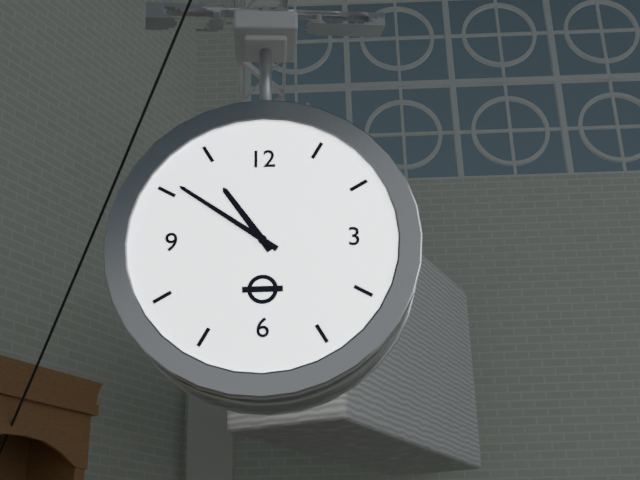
10:51
